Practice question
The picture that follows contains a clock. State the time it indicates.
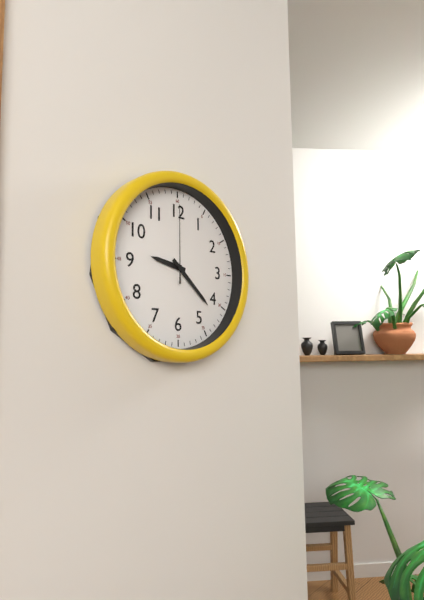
9:22:00
